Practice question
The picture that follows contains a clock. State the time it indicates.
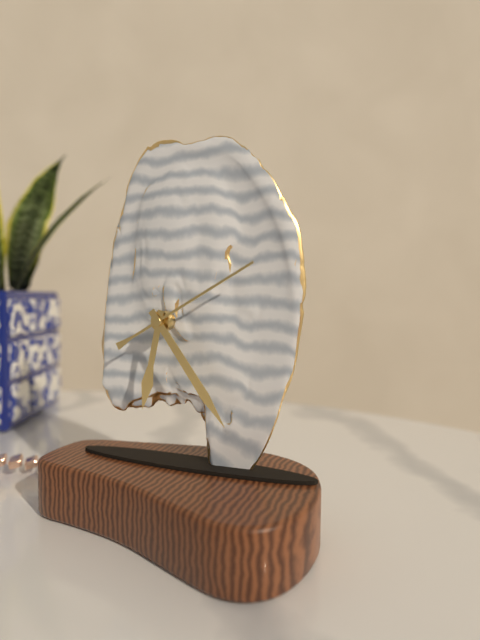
6:24:10
